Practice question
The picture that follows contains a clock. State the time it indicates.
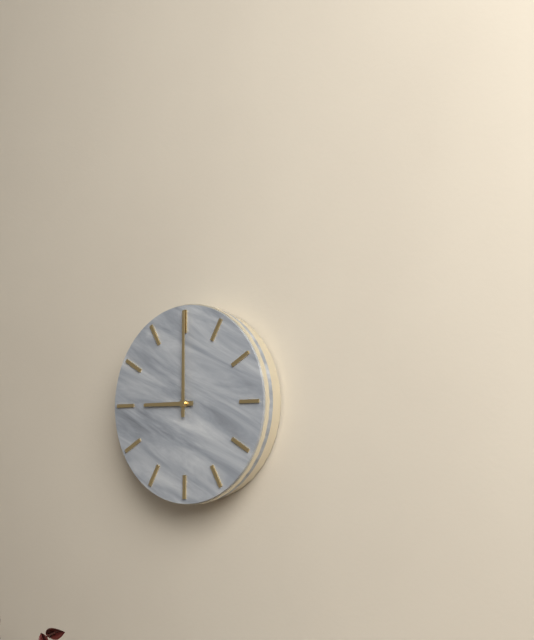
9:00
